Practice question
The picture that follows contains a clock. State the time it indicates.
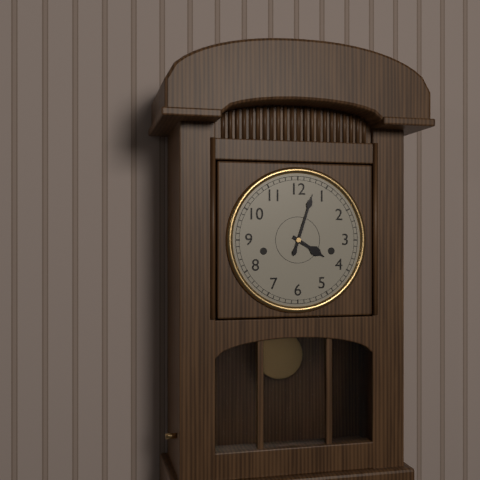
4:03
